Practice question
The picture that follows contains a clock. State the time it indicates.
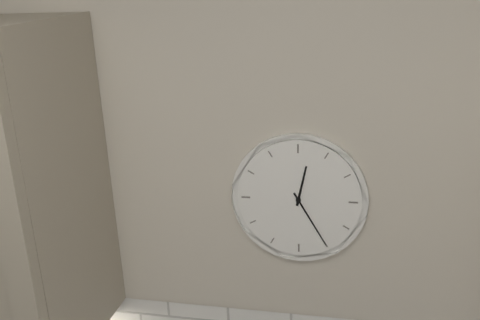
12:25
